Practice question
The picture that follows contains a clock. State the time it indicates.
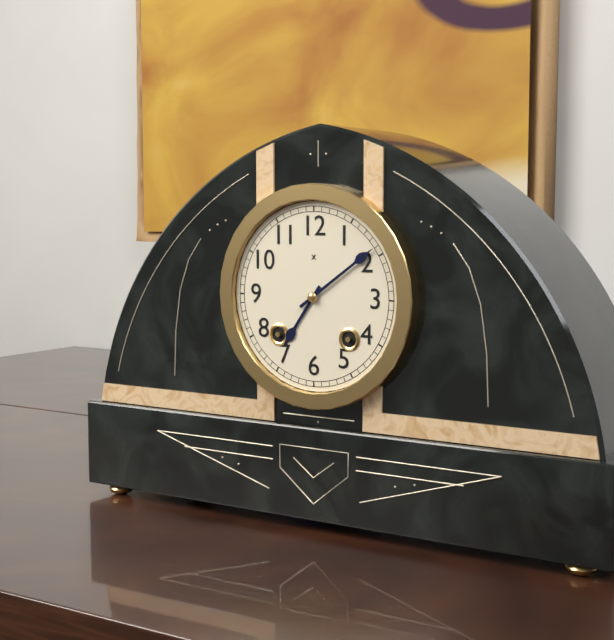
7:09
